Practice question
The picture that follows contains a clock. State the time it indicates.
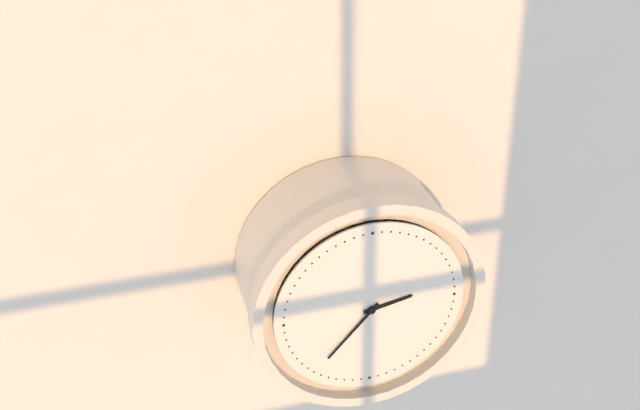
2:37
